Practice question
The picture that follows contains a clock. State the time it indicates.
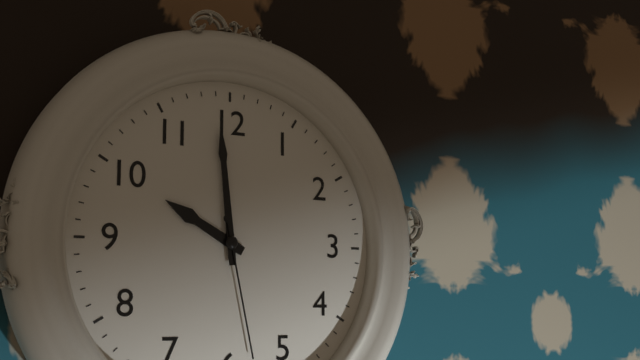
9:59:28
